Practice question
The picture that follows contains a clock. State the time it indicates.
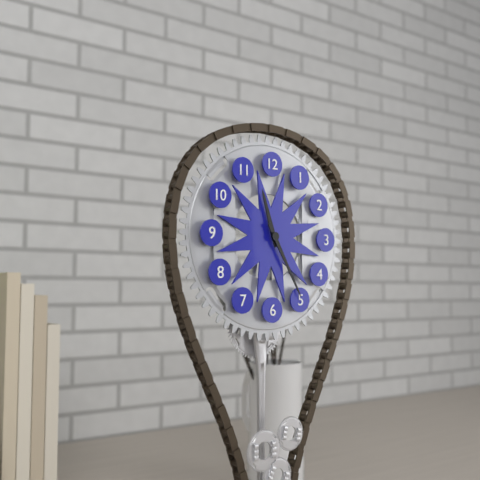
11:25
